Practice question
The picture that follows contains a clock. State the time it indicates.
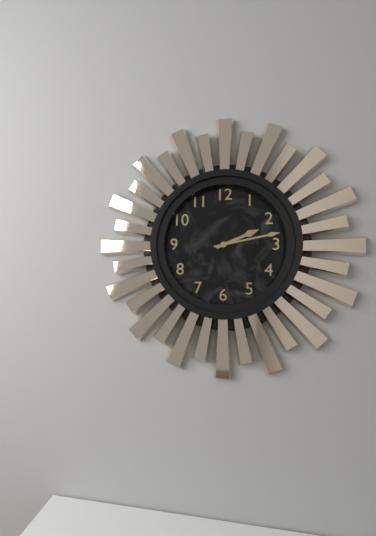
2:13
